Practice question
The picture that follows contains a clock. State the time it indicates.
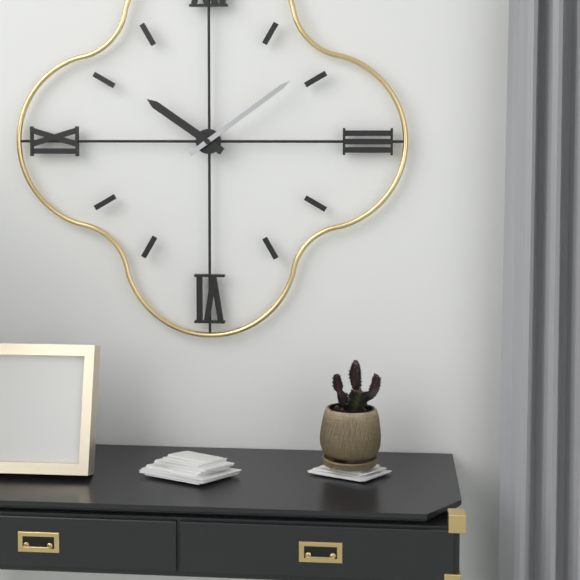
10:09
